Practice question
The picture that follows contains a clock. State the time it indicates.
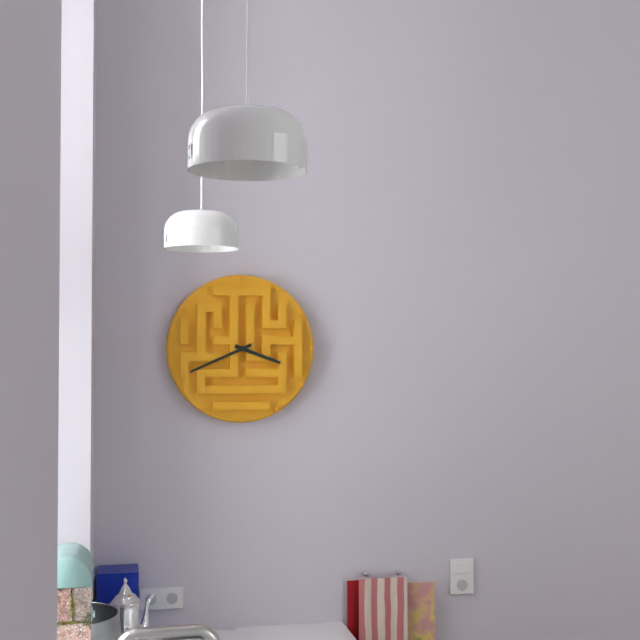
3:41
